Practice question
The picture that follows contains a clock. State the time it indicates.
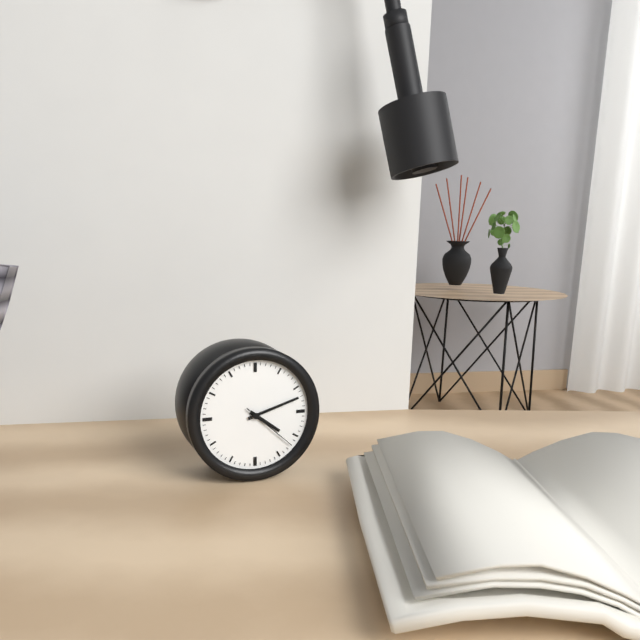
4:12:22
